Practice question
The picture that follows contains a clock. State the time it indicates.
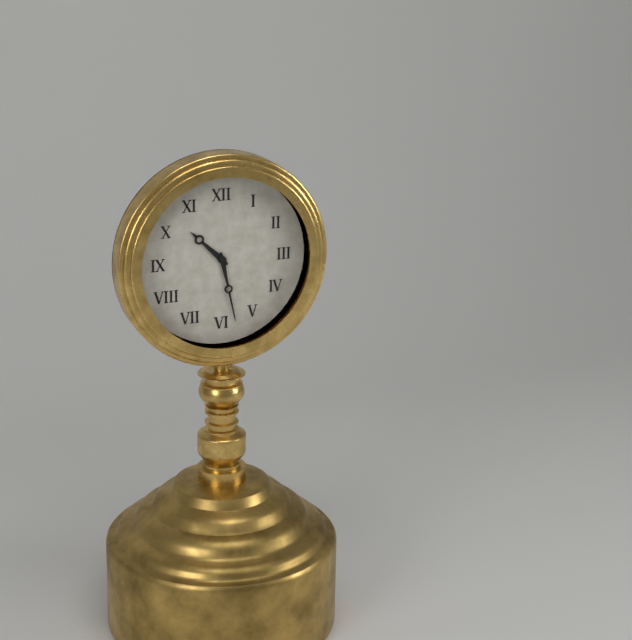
10:28
